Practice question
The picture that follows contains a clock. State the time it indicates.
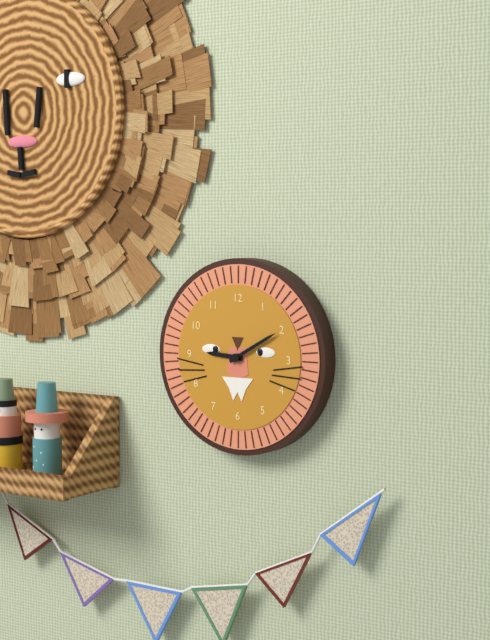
9:10
